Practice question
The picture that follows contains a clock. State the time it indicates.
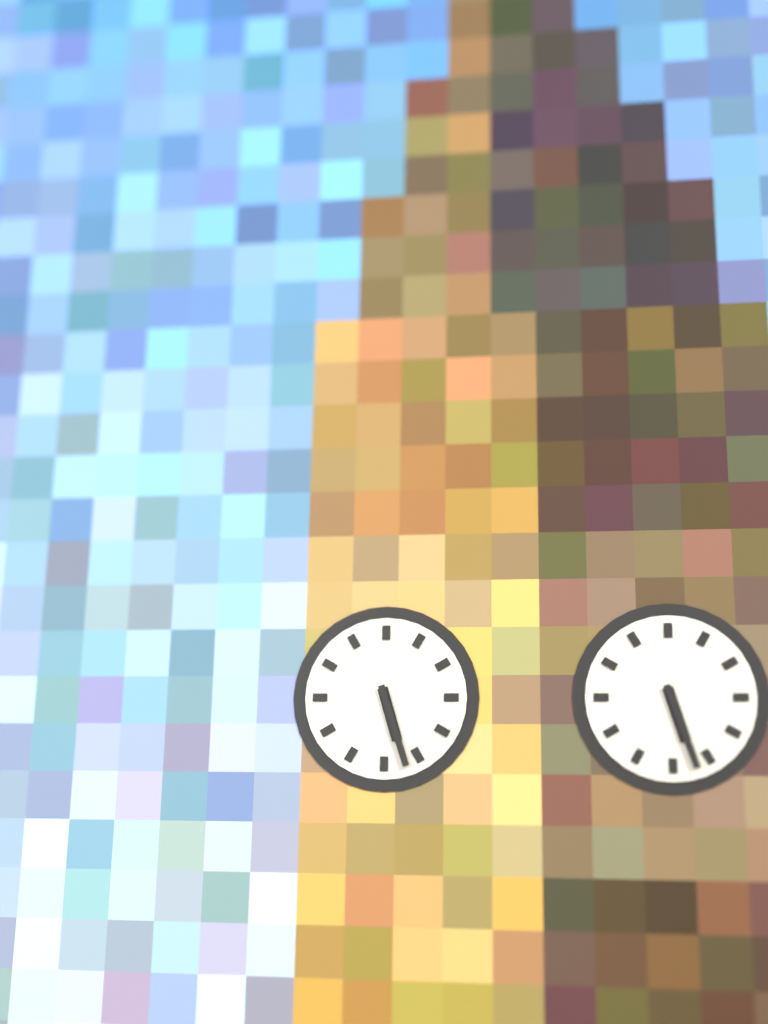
5:27
